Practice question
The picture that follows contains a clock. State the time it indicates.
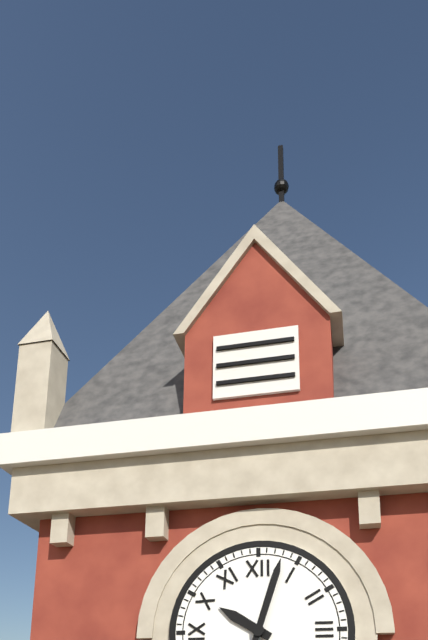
10:03
